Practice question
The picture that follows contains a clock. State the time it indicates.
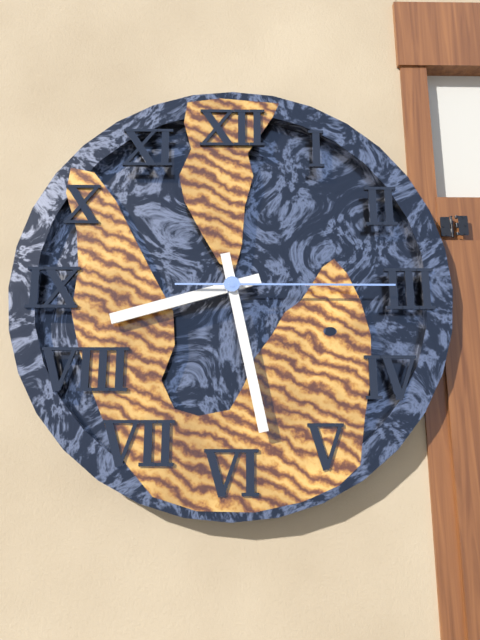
8:28:15
